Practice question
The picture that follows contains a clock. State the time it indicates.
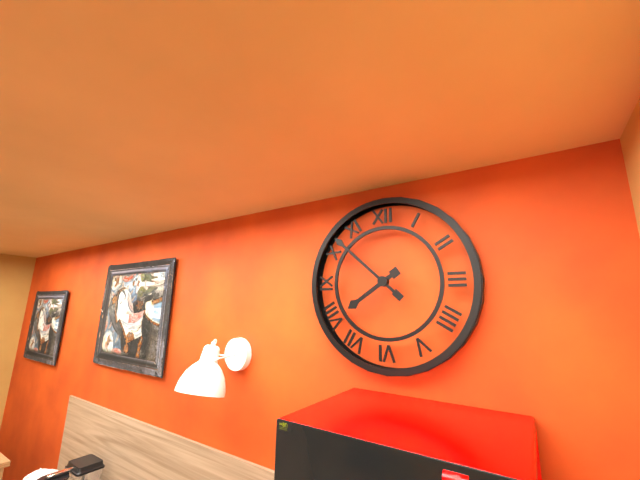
7:52
